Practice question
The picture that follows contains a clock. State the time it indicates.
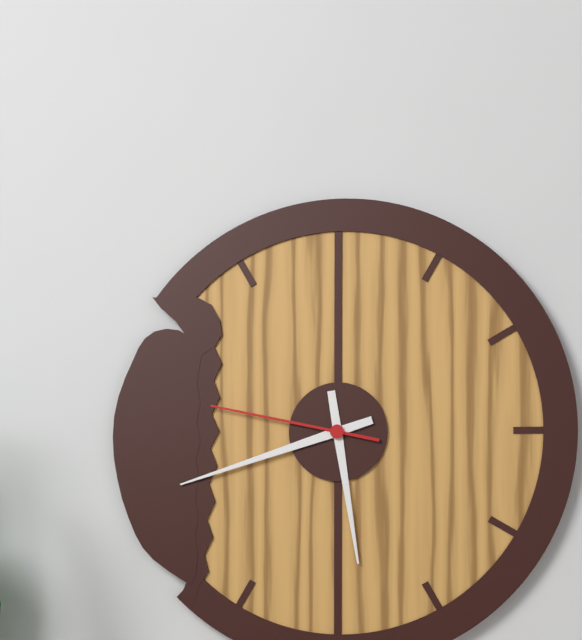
5:42:47
